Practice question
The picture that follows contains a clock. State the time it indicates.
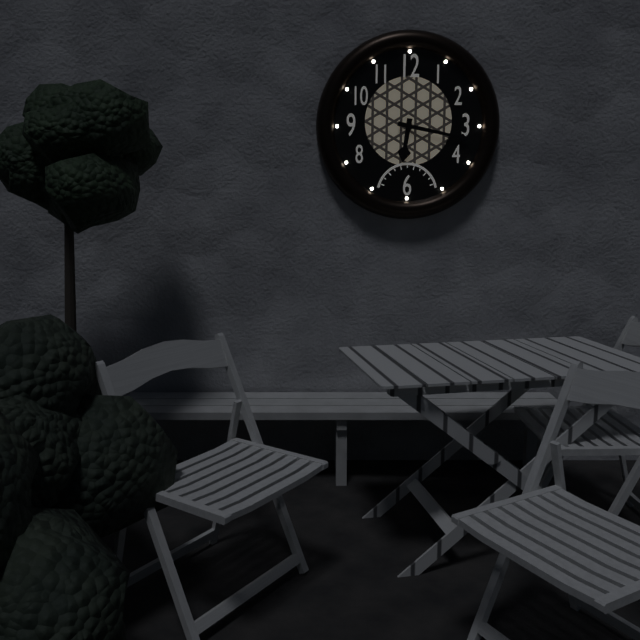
6:17
